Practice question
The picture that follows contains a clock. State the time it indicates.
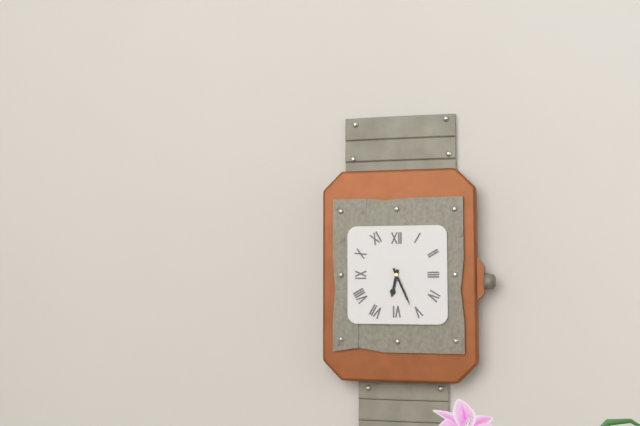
6:26
